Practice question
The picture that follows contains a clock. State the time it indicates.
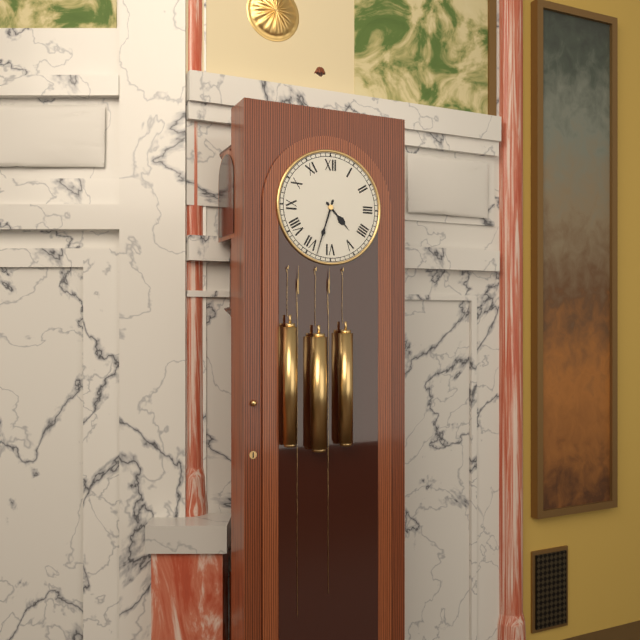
4:33
